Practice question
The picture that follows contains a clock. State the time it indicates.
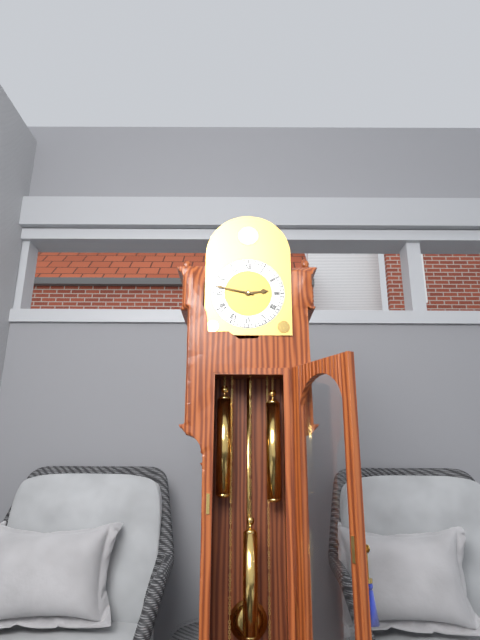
2:47
